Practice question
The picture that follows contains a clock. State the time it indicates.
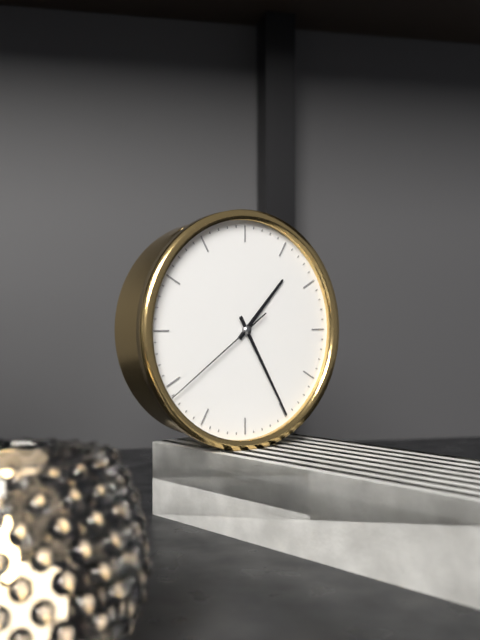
1:25:39
